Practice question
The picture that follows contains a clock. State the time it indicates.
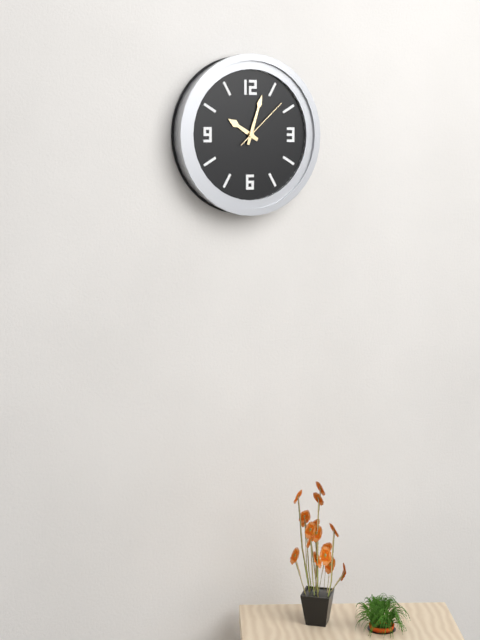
10:03:08
